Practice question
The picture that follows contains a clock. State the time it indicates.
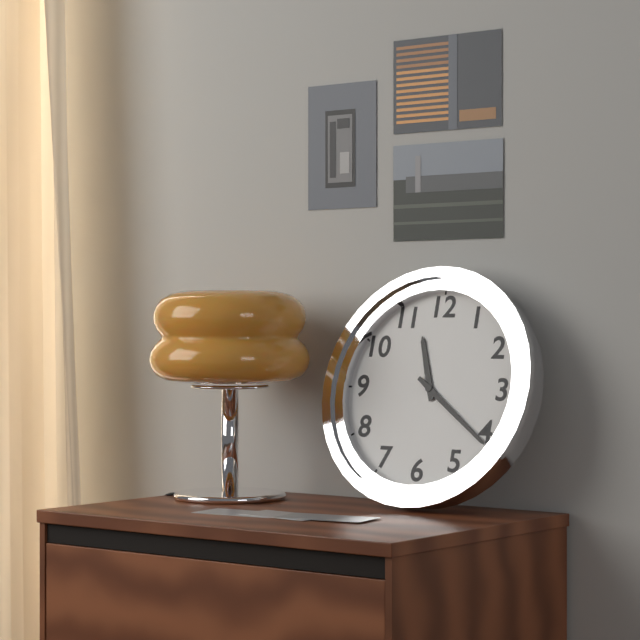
11:21
